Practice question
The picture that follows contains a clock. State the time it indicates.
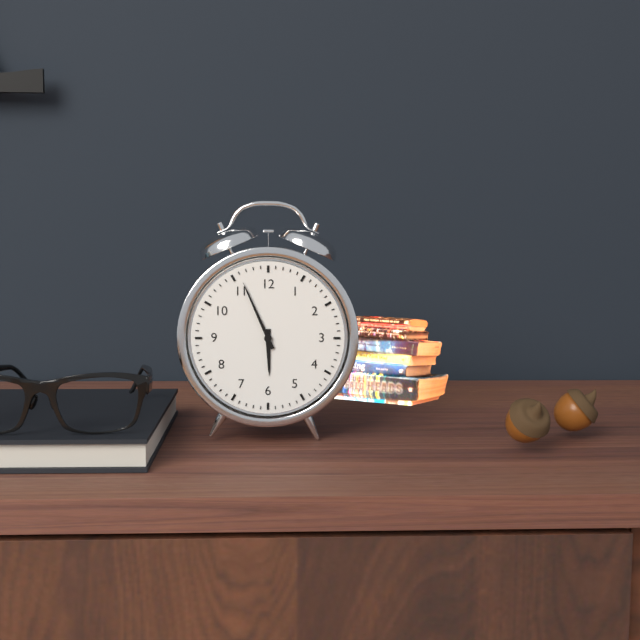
5:56
